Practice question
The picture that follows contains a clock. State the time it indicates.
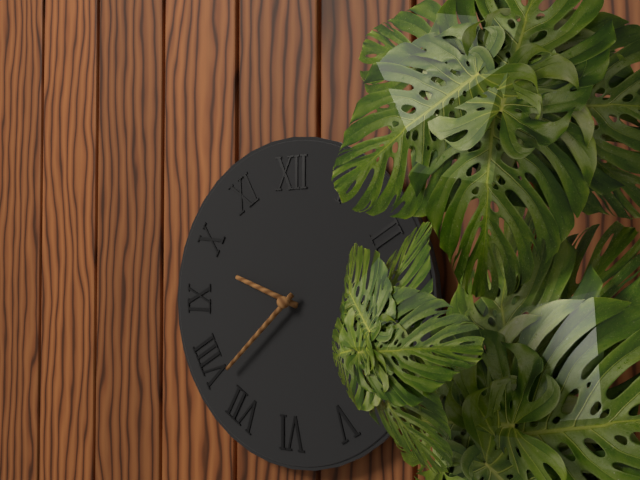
9:38
